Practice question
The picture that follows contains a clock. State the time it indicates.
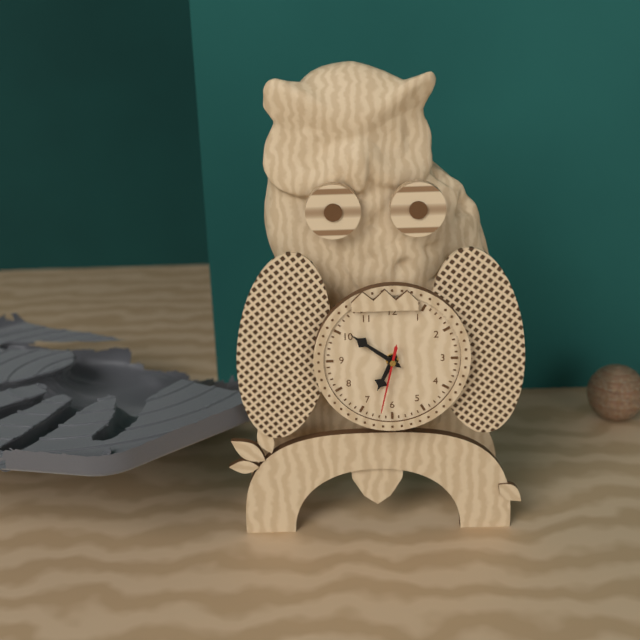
6:51:32
